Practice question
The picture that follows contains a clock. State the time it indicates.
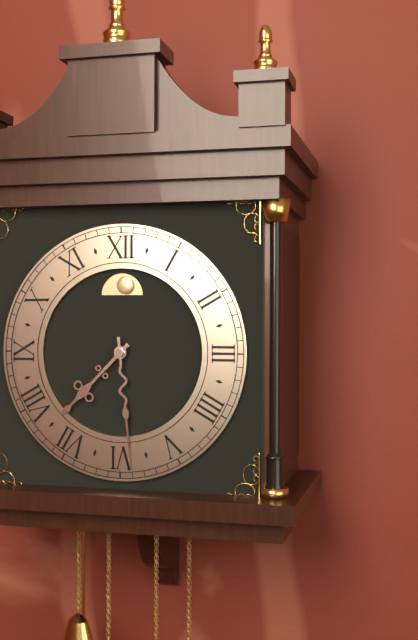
7:29
